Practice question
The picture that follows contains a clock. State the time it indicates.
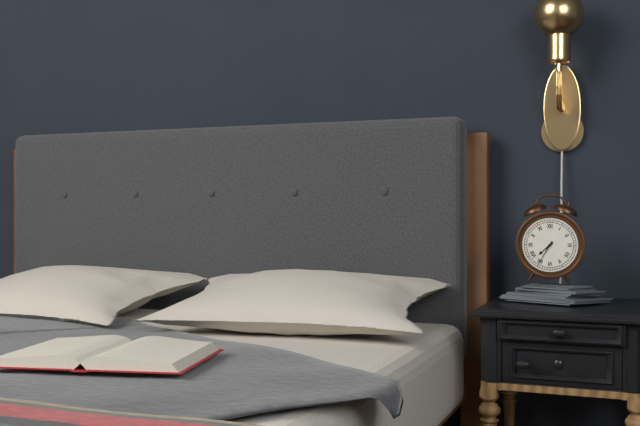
7:35
